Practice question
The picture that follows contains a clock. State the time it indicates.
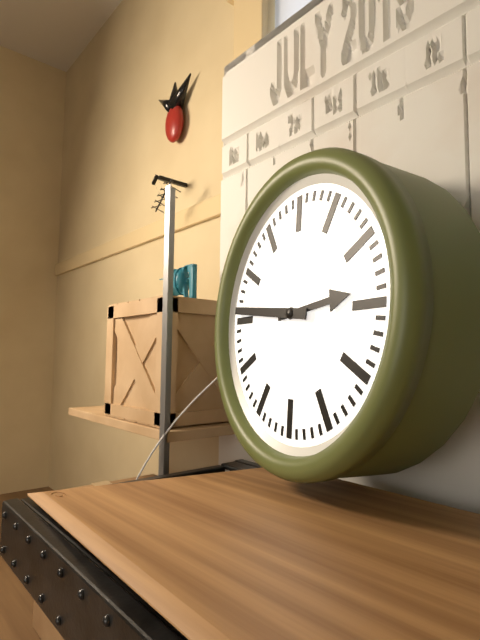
2:46
